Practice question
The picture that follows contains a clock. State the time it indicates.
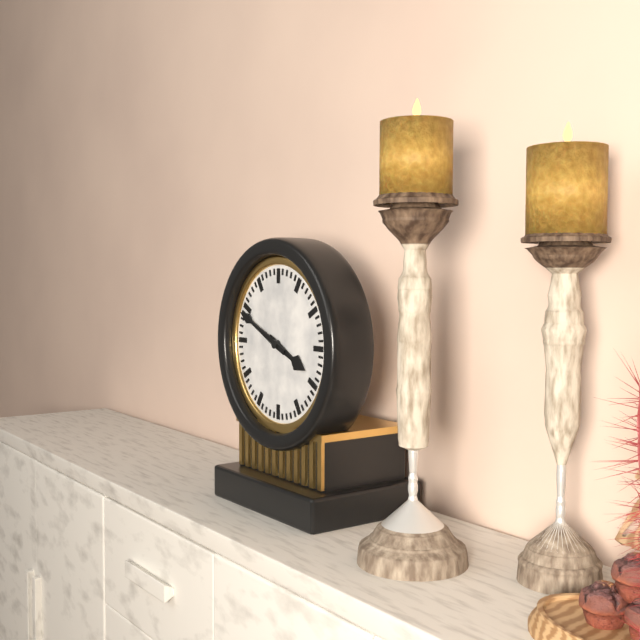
3:49
